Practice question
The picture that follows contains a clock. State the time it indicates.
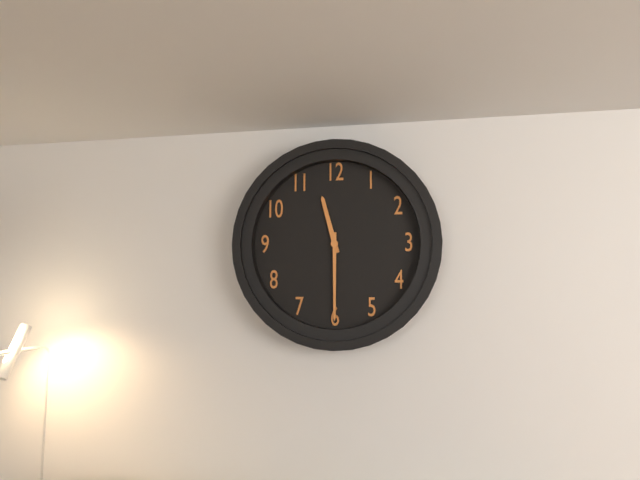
11:30
